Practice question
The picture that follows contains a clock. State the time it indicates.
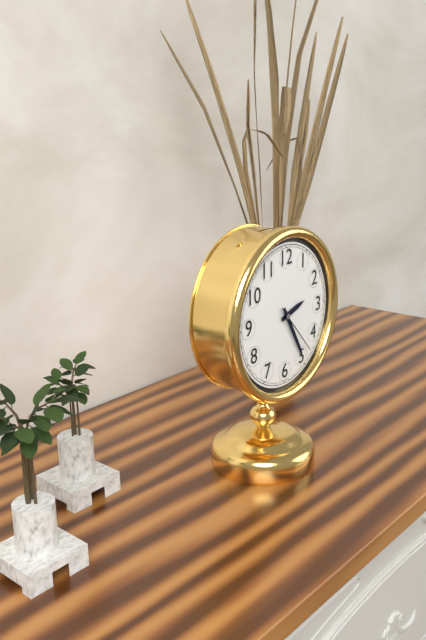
2:25:23
